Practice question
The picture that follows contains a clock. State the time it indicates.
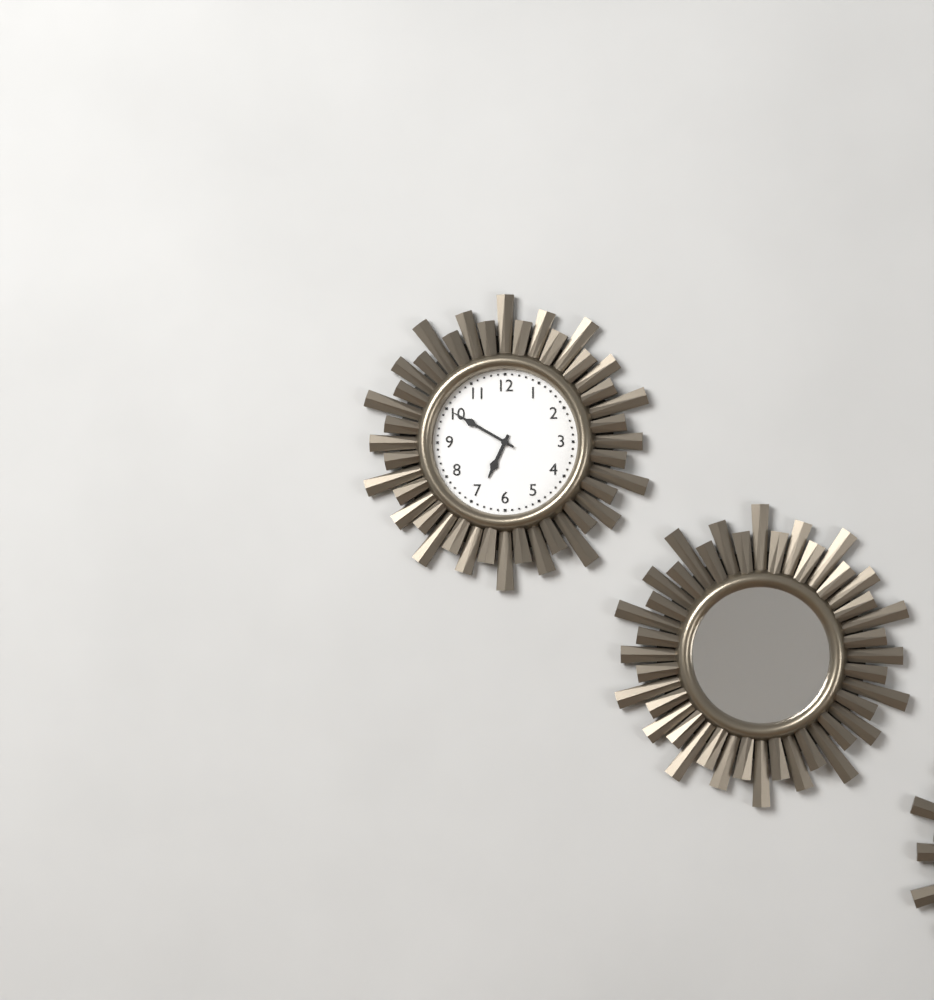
6:50
